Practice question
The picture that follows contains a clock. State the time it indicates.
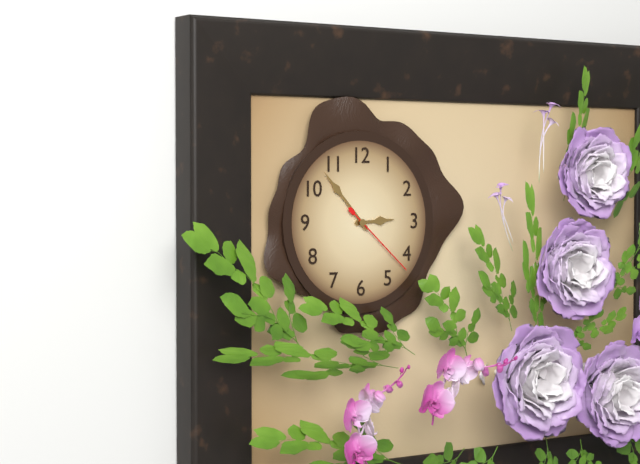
2:53:22
